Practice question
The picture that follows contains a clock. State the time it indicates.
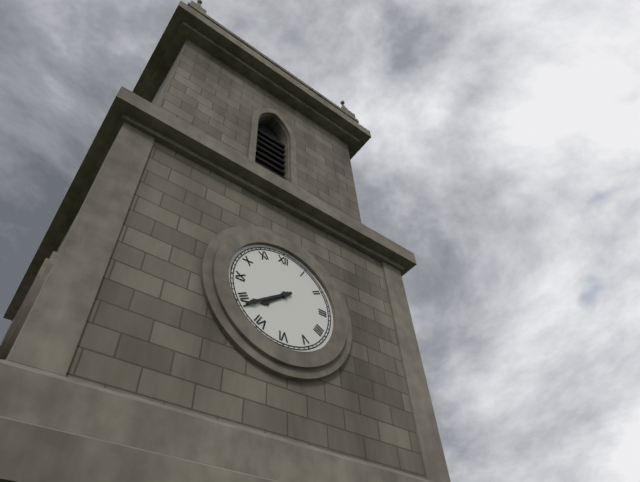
7:39
